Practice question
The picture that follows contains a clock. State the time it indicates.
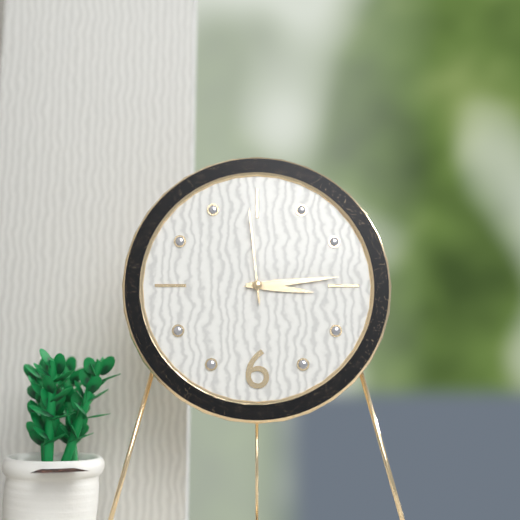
3:14:59
